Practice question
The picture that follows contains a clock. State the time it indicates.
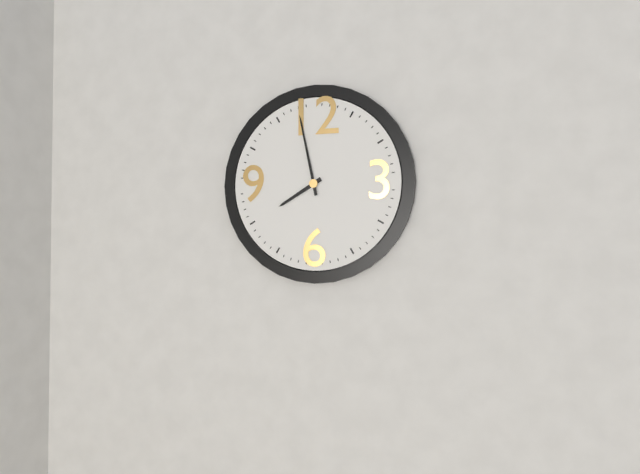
7:58
